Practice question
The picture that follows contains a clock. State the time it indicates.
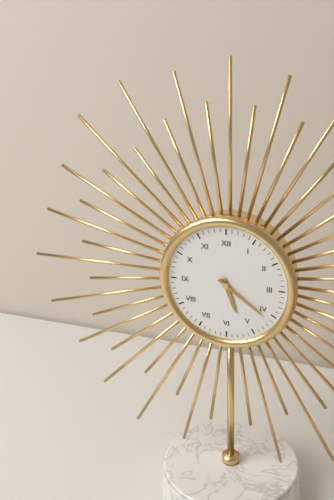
5:21
